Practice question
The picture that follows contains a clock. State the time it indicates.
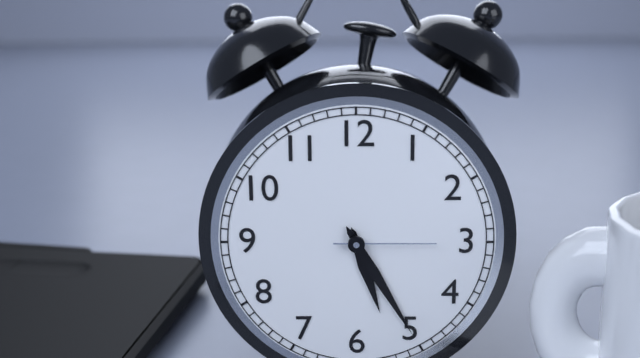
5:25:15
